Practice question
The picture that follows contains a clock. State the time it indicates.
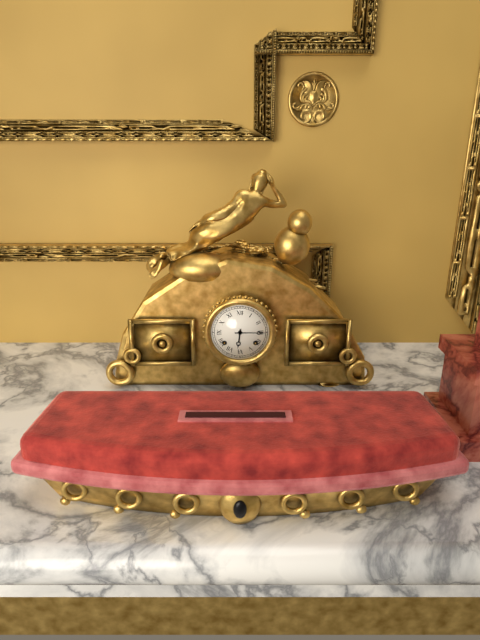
6:15
